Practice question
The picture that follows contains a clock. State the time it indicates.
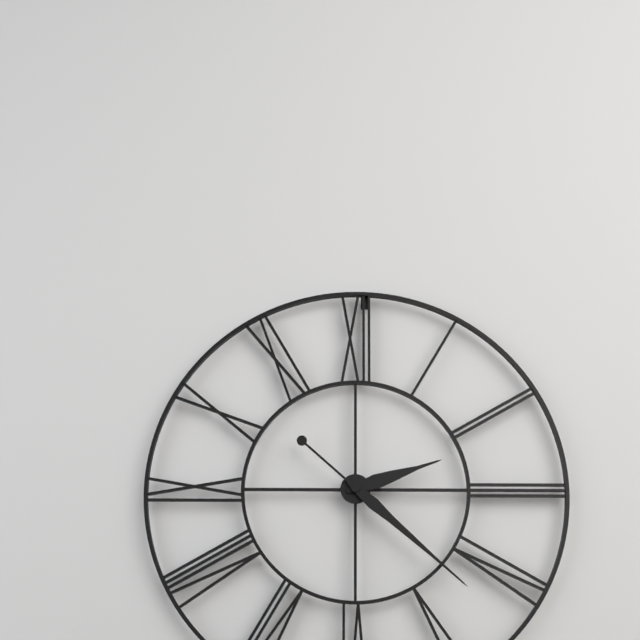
2:22
